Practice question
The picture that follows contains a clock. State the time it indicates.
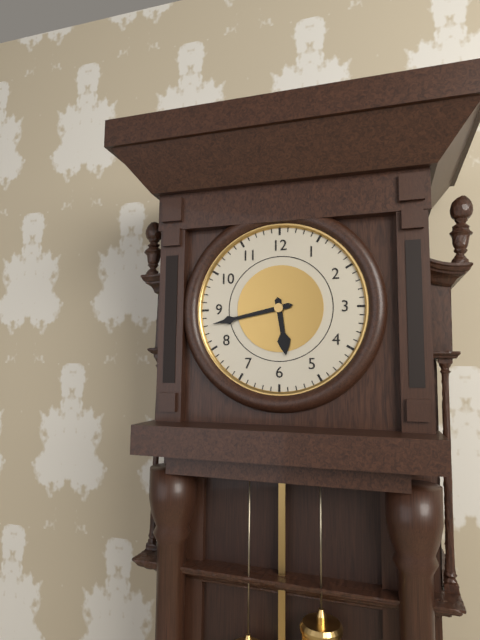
5:43
